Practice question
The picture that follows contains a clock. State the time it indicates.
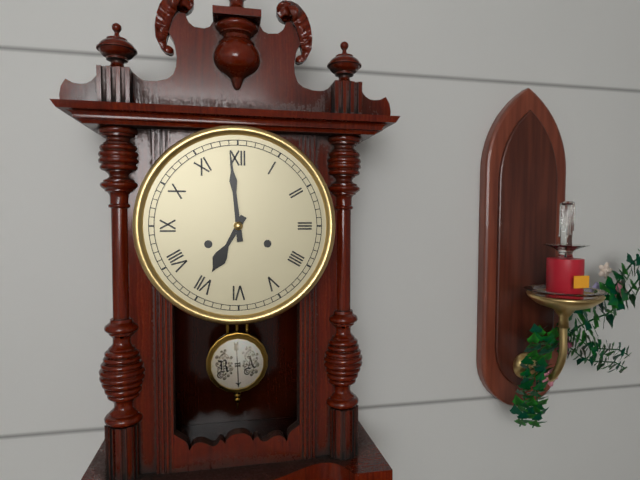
6:59
